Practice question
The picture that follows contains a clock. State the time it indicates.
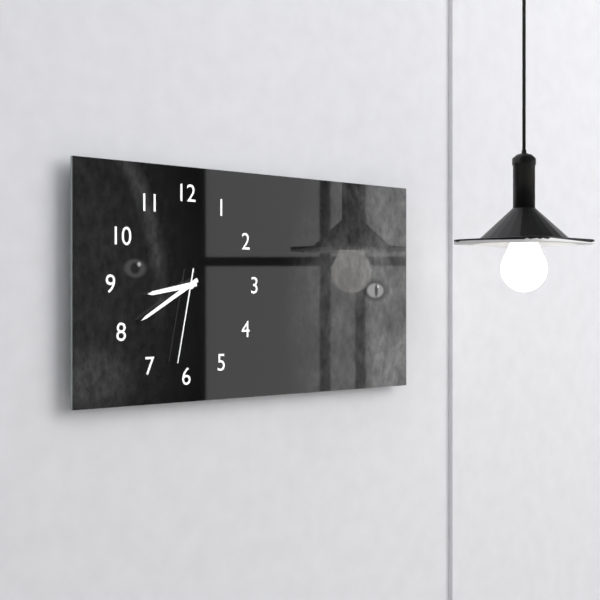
8:40:32
